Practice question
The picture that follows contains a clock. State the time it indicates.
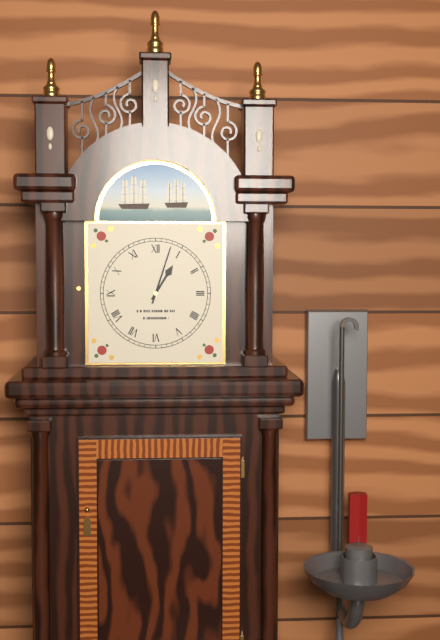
1:03
